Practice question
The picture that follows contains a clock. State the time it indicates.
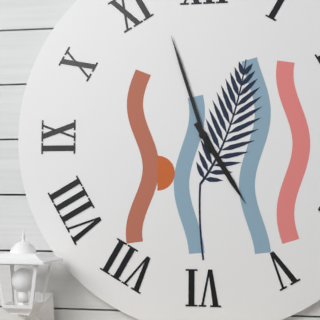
4:57
